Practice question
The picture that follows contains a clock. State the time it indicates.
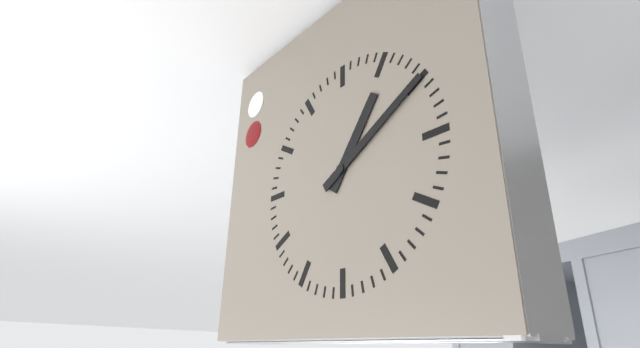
1:10
